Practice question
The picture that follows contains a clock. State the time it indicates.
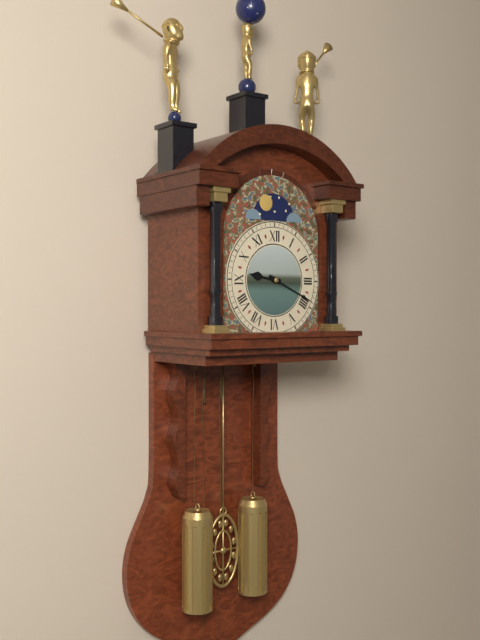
9:19
